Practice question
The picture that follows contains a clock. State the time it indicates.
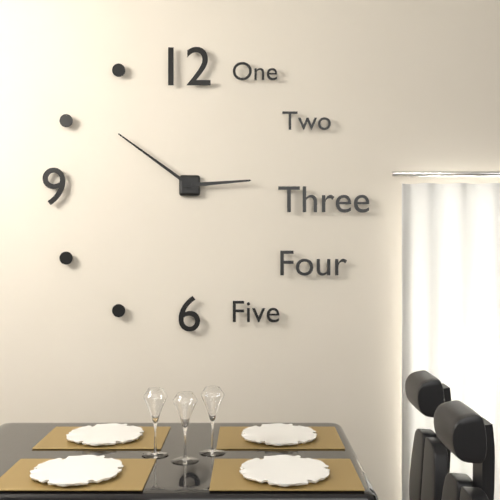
2:51
